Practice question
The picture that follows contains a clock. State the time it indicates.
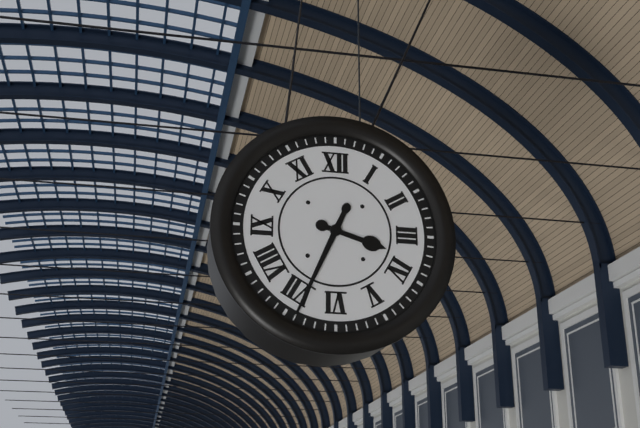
3:34
